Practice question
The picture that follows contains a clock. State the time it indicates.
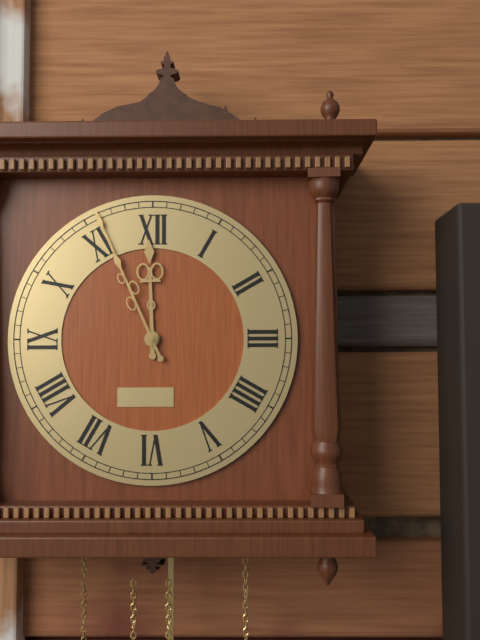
11:56
